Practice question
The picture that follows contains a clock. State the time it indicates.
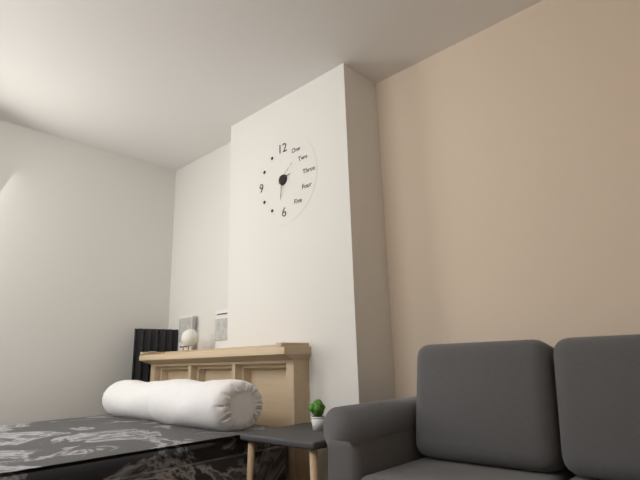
2:31
